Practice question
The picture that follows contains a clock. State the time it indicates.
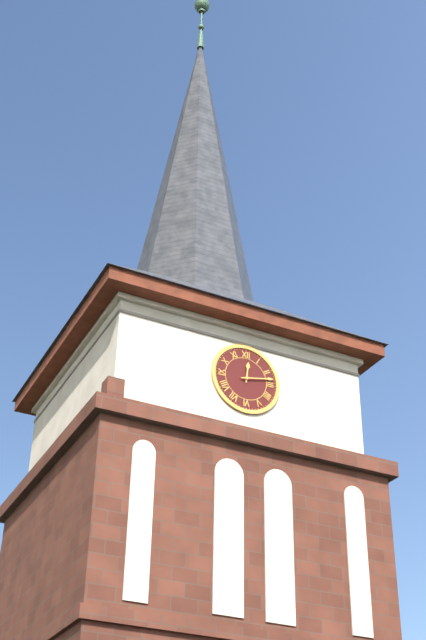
12:13
